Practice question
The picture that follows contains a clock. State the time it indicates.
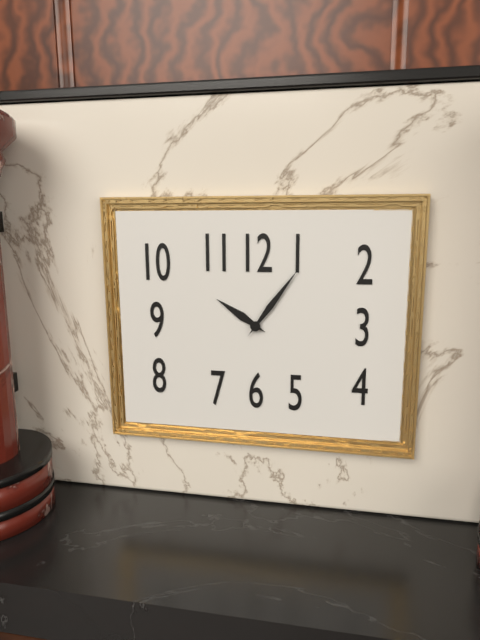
10:06
